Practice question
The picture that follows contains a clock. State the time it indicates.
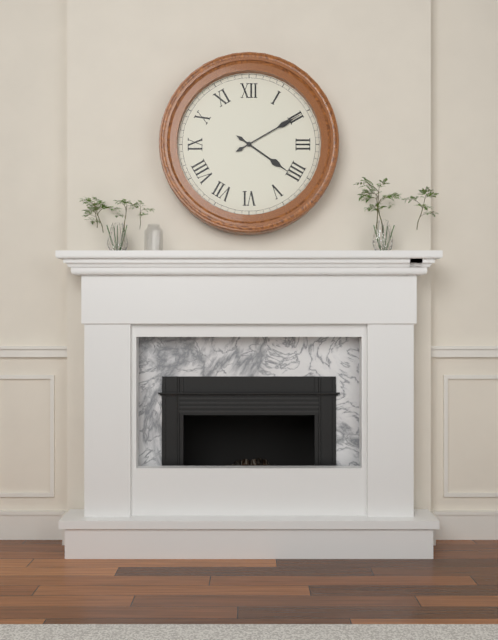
4:10
